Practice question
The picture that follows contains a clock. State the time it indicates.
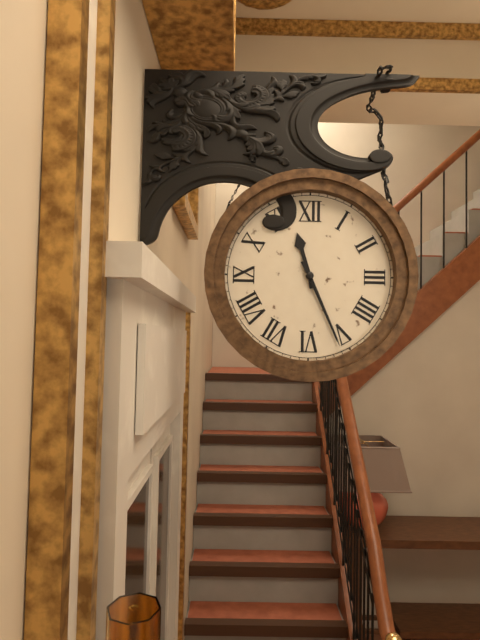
11:26
